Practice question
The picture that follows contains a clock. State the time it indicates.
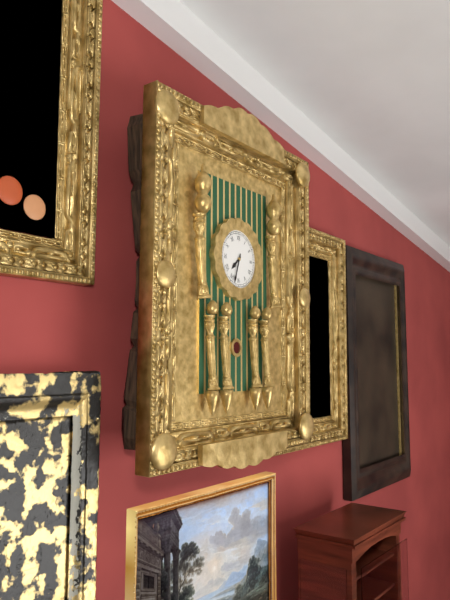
7:33
